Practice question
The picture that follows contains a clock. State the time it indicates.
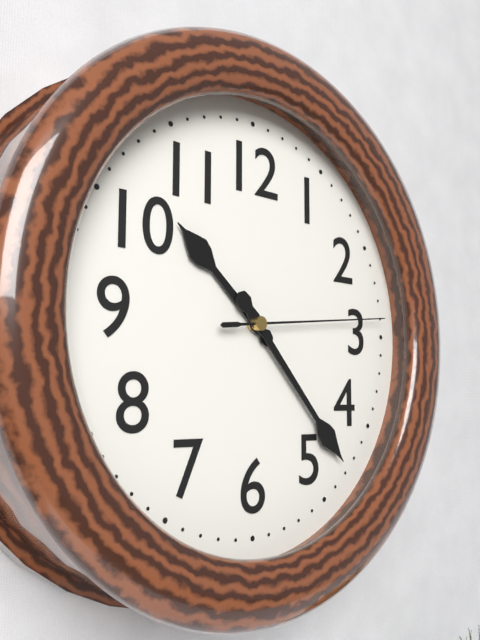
10:23:14
